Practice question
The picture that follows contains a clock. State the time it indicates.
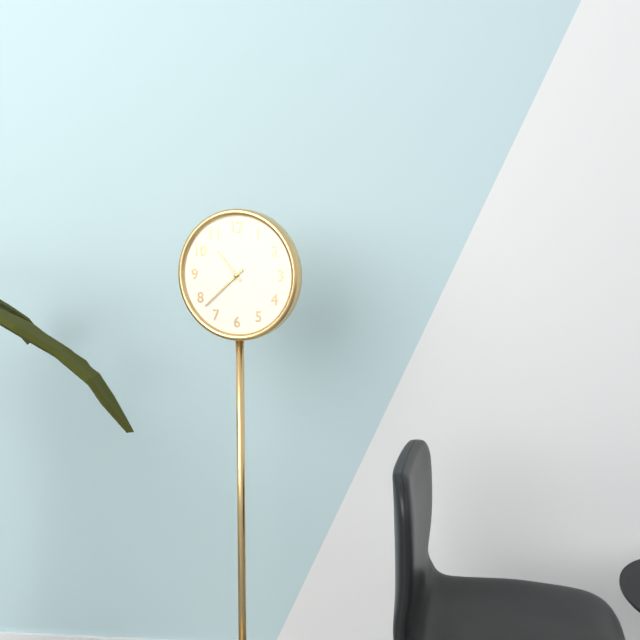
10:38
